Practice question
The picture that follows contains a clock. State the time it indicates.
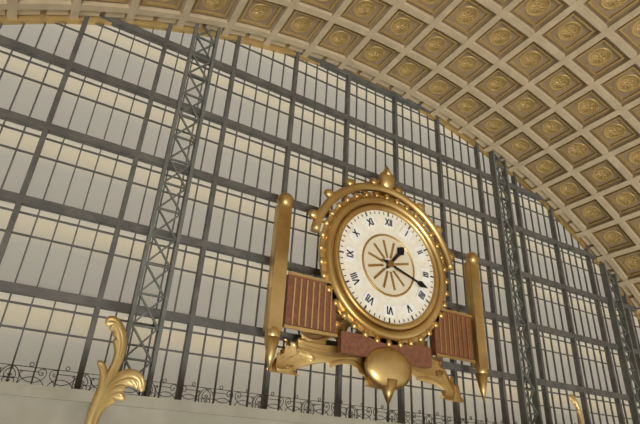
1:18
